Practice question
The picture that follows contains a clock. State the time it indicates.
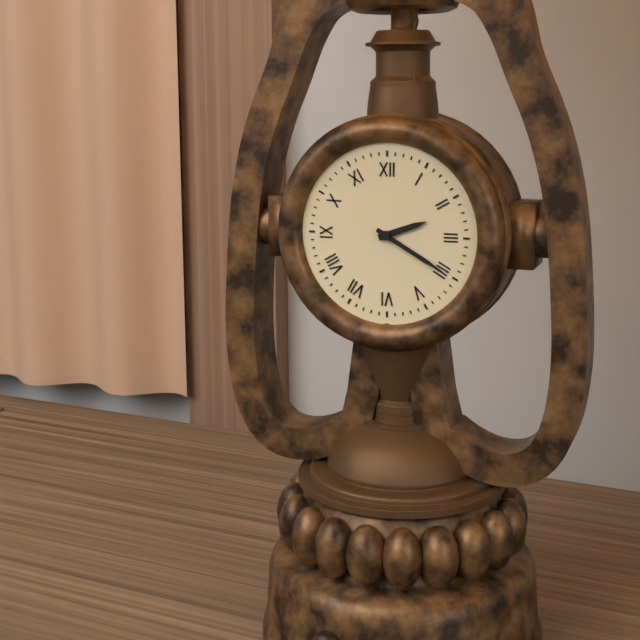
2:20
